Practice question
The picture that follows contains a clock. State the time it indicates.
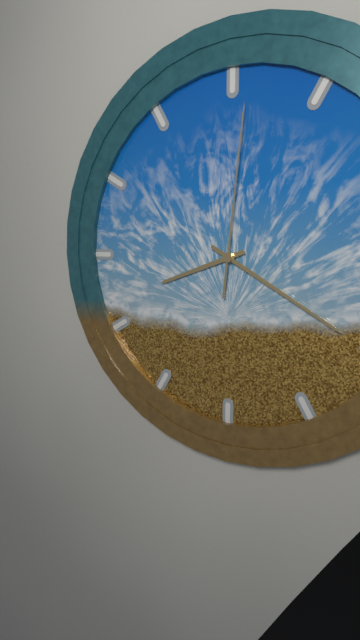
8:20:01
